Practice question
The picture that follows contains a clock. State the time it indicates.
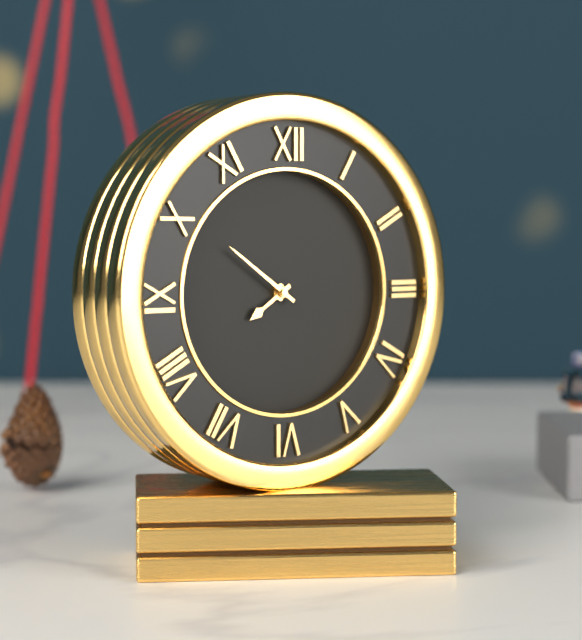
7:51
